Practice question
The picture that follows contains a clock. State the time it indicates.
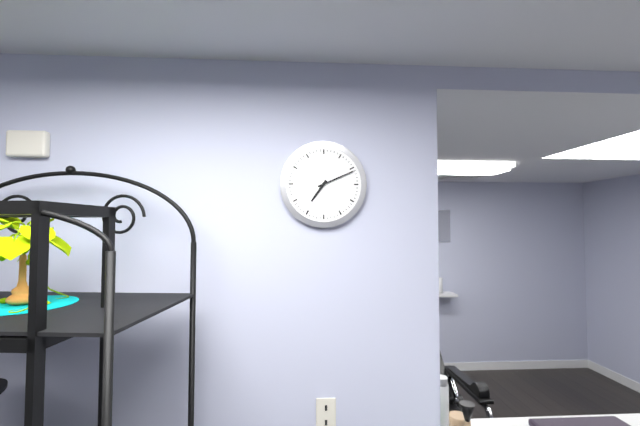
7:11
